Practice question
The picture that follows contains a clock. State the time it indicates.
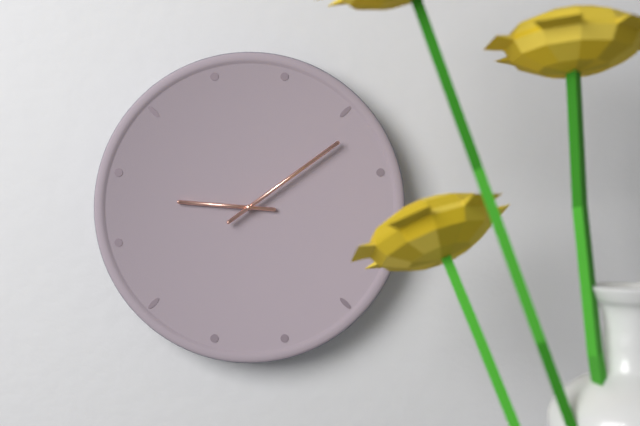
9:09
